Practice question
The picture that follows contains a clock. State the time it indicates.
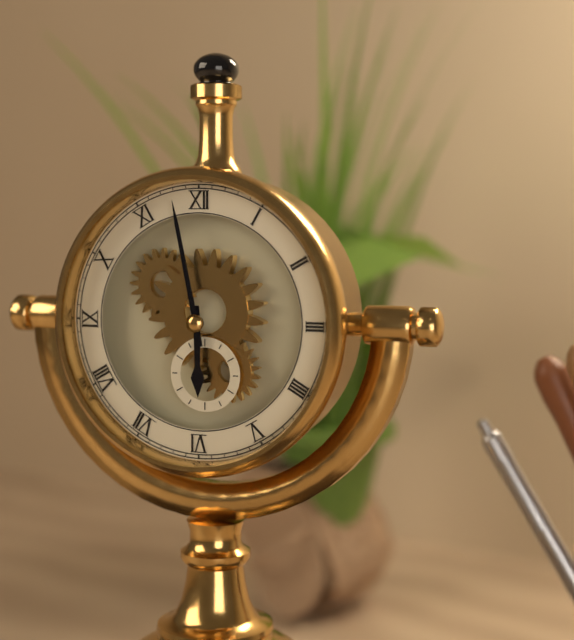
5:58
